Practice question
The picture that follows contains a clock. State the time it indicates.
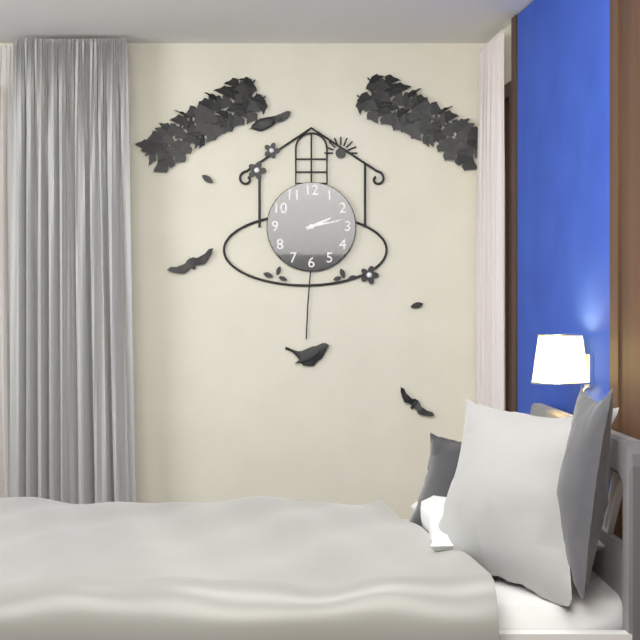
2:13
